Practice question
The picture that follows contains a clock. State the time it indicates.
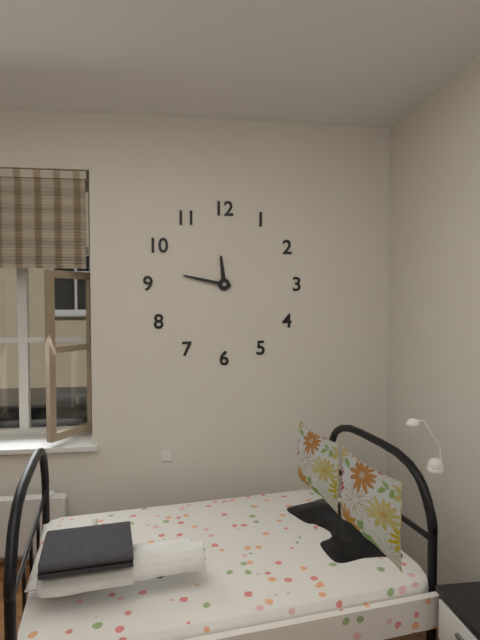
11:47
